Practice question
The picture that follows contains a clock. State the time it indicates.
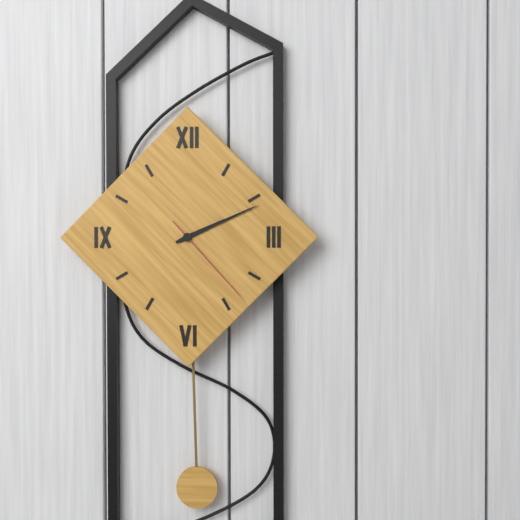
2:11:23
